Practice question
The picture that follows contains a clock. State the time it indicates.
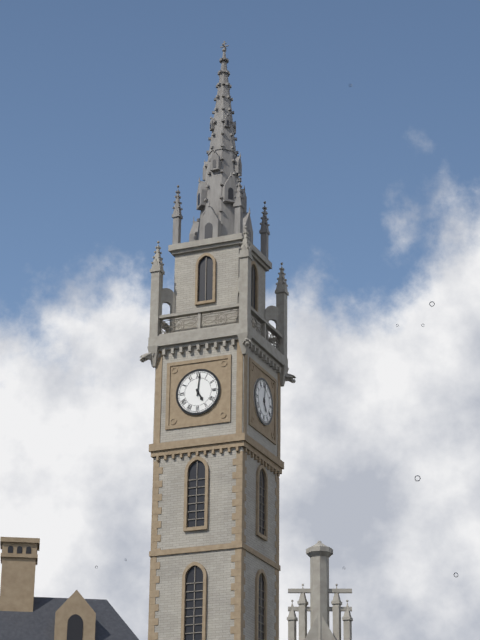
5:01
